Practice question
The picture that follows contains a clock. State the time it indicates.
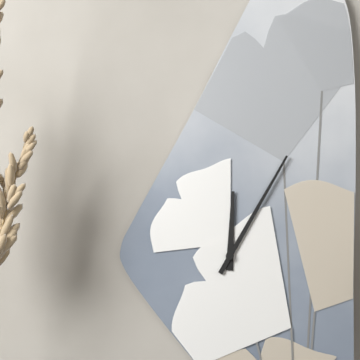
12:05
